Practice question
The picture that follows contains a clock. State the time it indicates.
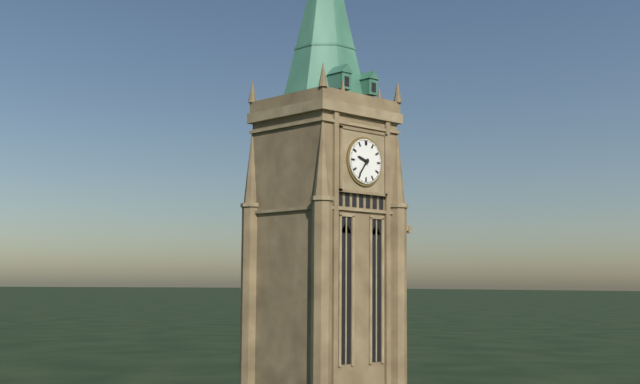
9:36
